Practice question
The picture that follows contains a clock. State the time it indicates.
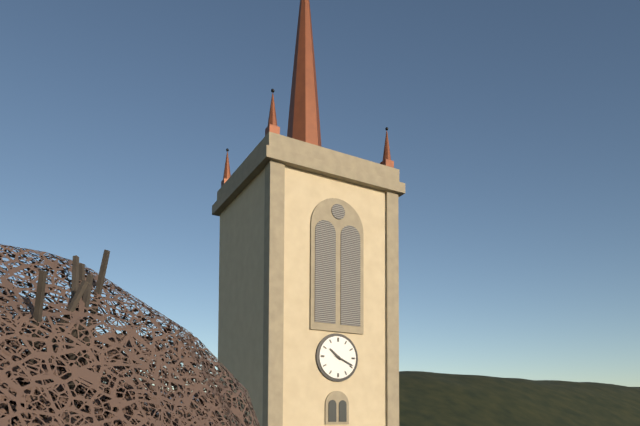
10:19
